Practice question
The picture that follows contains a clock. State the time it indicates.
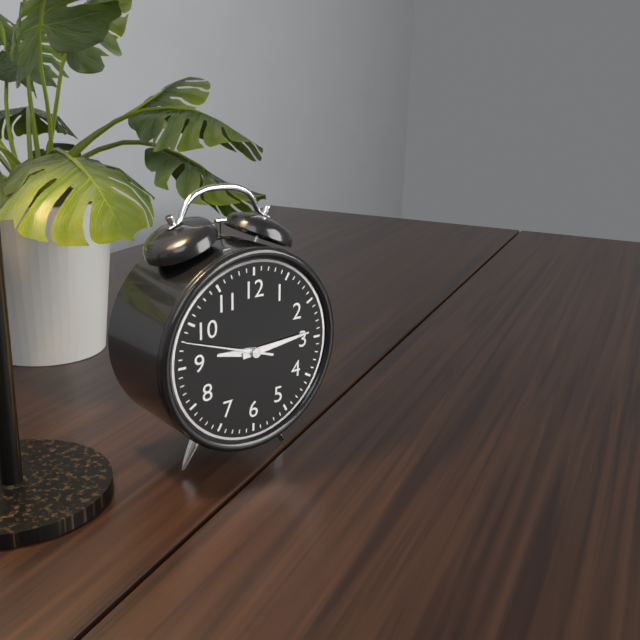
9:14:48
